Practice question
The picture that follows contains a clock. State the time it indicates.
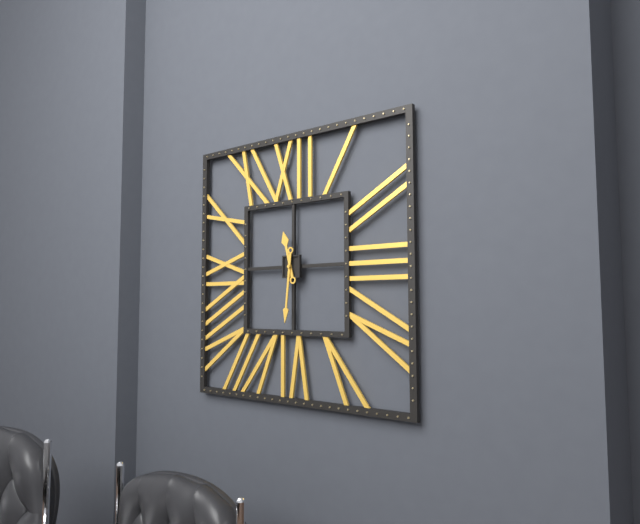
11:31
